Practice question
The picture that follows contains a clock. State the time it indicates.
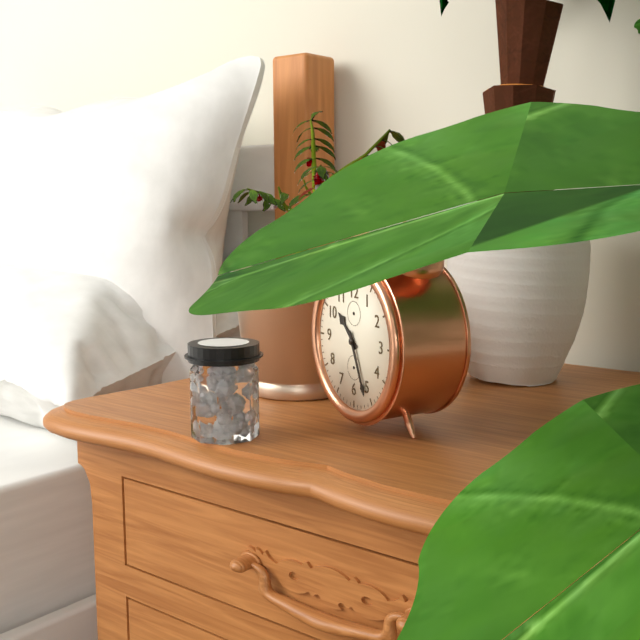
10:26
